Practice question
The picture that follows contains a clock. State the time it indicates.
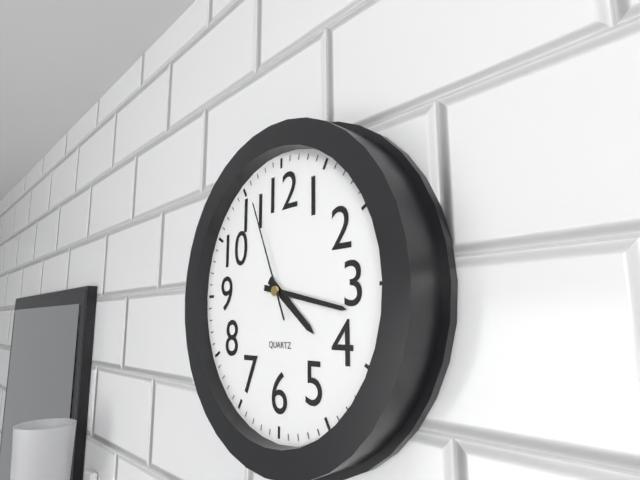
4:17:56
